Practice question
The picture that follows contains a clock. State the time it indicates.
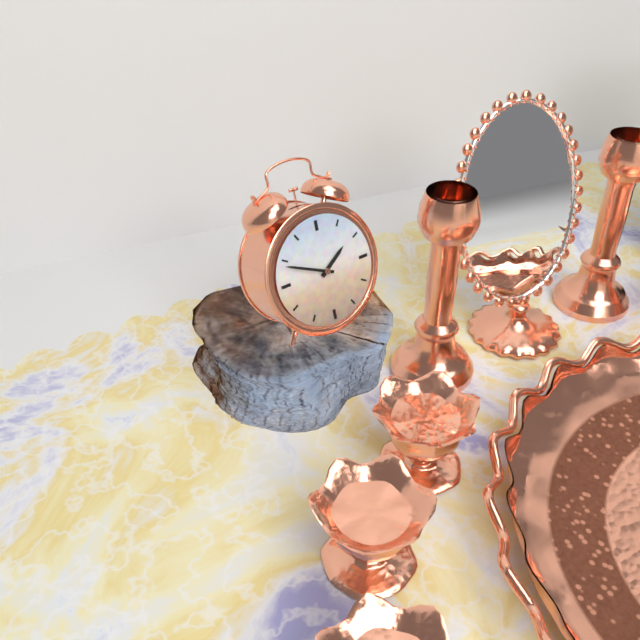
1:49
